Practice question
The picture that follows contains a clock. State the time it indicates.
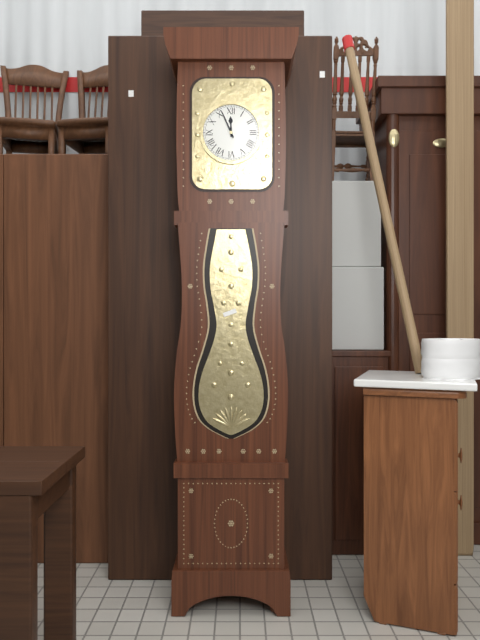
11:56
